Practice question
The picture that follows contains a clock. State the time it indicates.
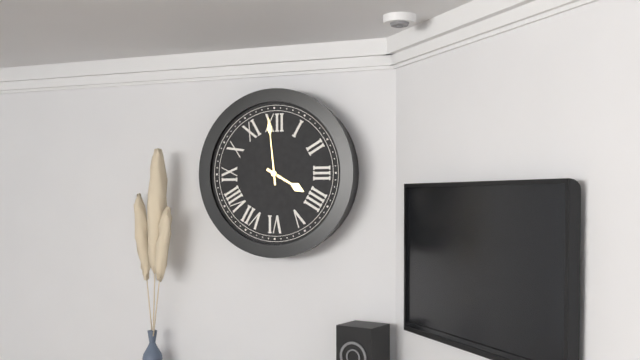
3:59
